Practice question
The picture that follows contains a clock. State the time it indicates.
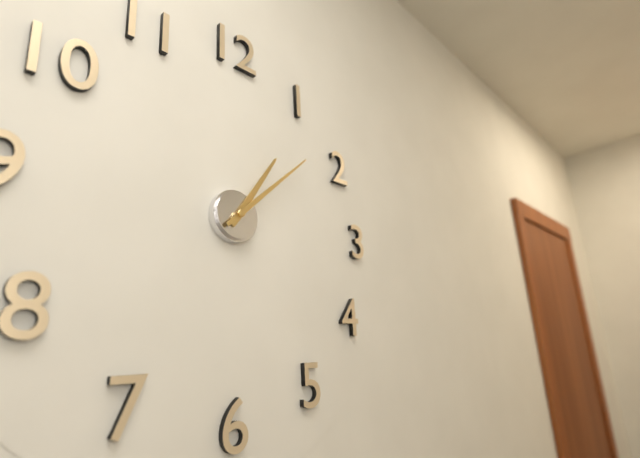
1:08
